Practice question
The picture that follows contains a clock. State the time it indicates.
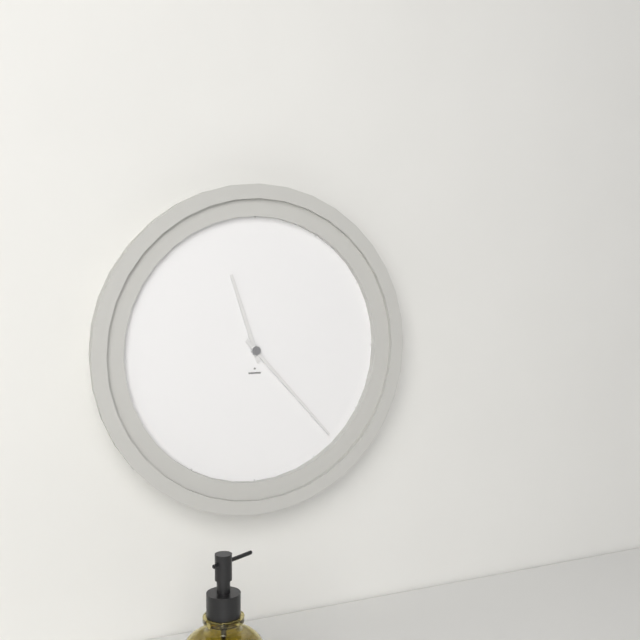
11:23
